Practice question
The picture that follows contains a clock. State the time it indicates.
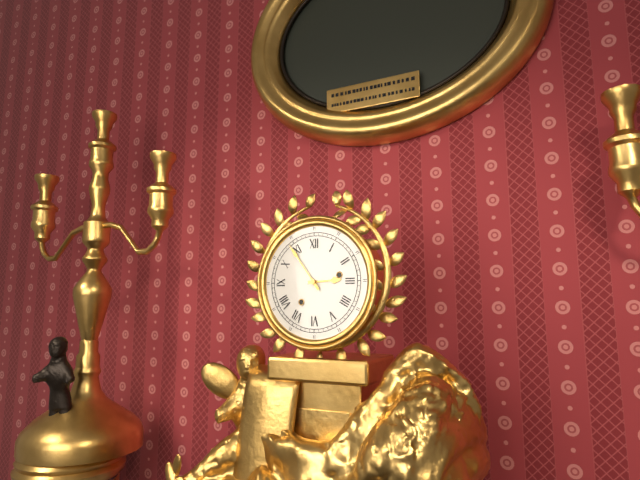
2:54
